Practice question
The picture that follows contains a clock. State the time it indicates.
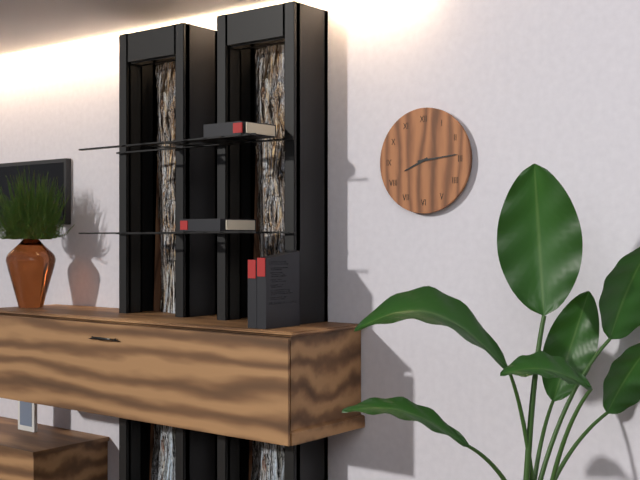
8:14
